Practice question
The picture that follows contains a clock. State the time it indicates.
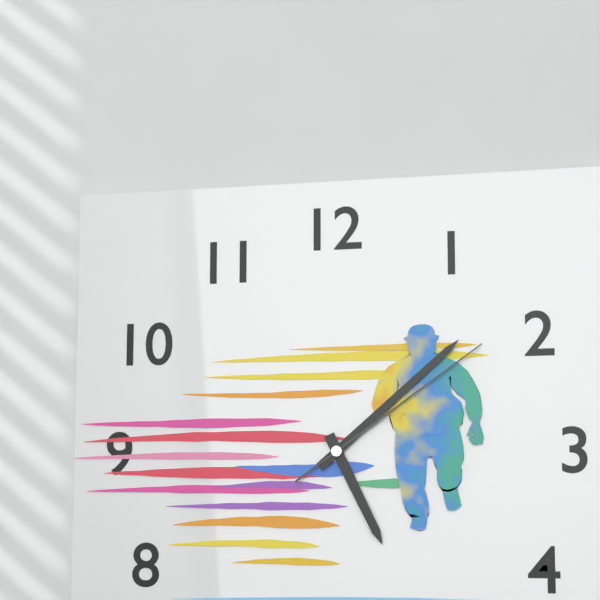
5:08:09
